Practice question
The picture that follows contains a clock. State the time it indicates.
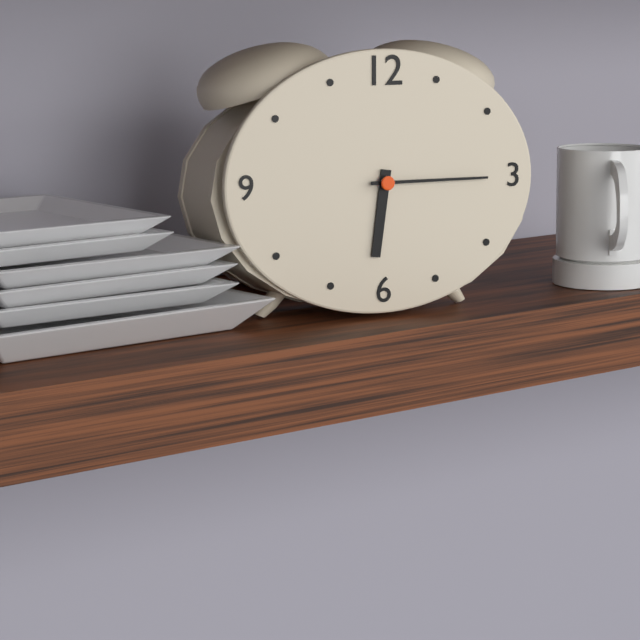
6:15
